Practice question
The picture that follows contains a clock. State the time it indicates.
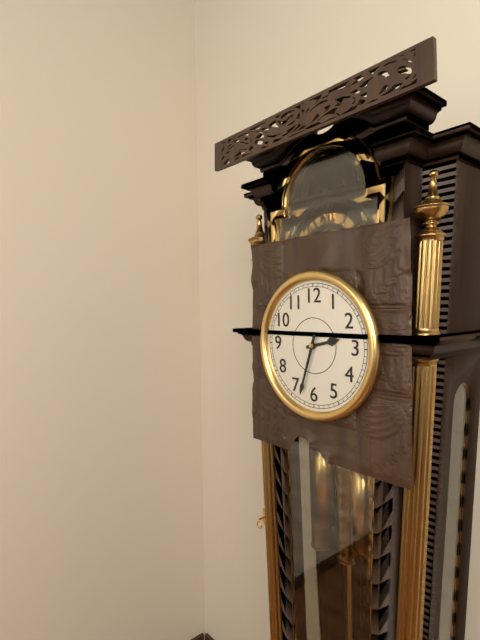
2:33
